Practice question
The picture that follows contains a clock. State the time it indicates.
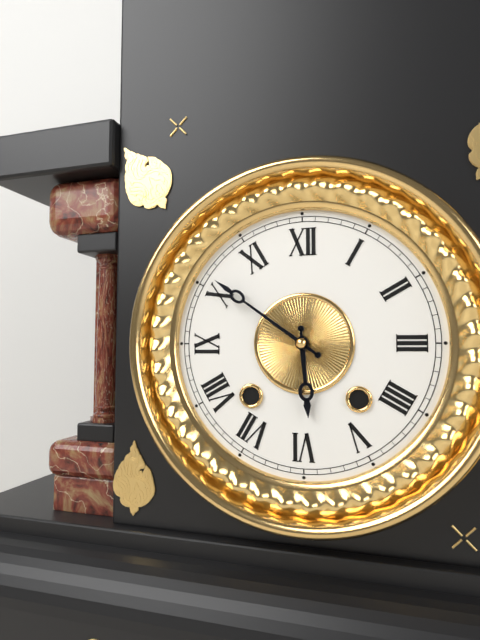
5:51
